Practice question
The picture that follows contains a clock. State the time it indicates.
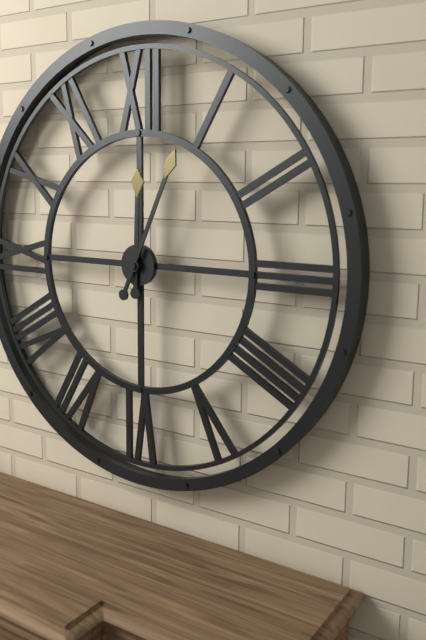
12:04
